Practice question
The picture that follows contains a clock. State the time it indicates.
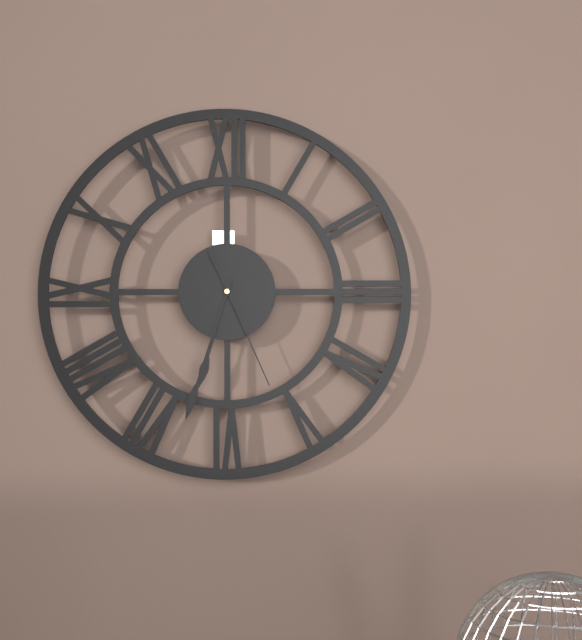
6:33:26
